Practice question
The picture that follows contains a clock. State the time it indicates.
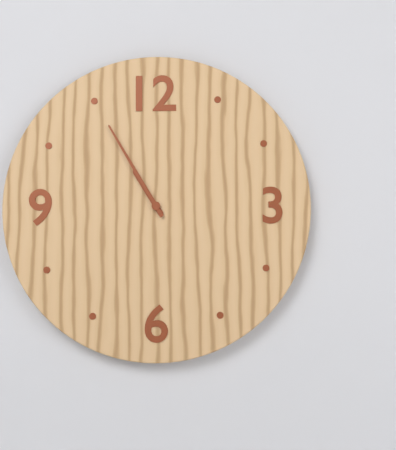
10:55
